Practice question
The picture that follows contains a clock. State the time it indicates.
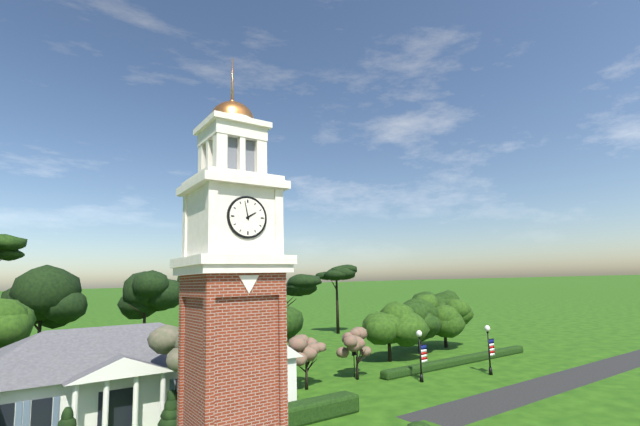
1:58
